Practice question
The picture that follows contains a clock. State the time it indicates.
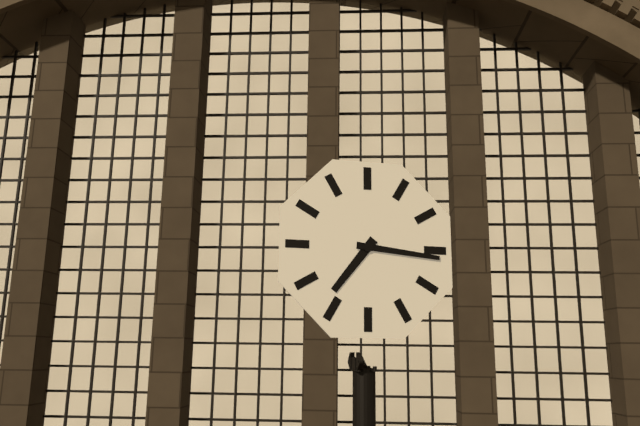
7:16
